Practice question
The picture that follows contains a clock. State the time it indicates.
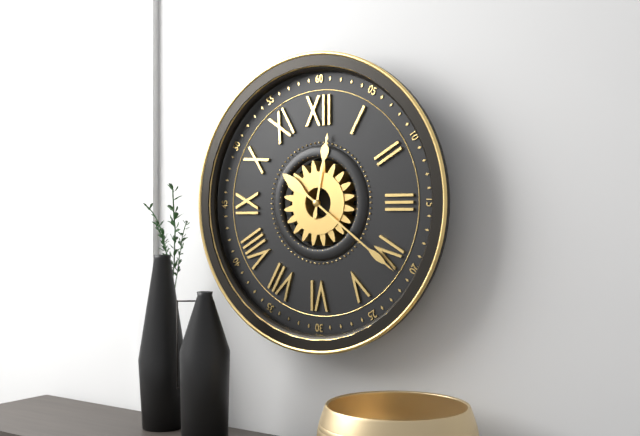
12:21
